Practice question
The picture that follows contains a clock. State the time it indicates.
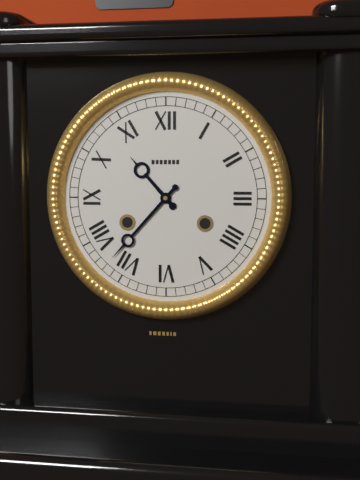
10:37
